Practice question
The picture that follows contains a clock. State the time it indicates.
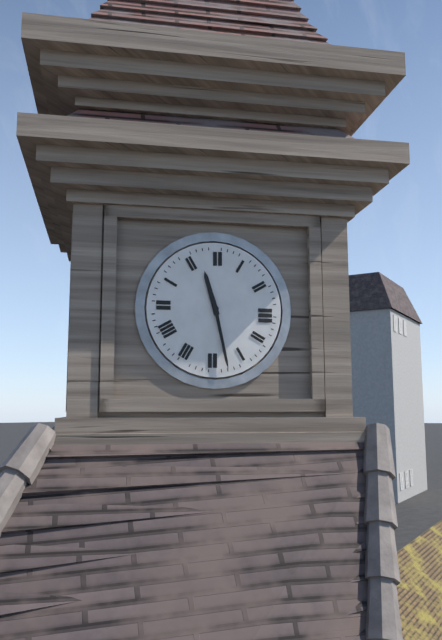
11:28
